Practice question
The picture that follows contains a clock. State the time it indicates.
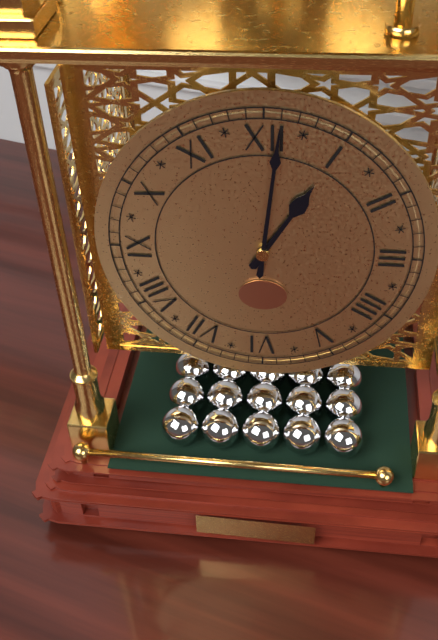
1:01
